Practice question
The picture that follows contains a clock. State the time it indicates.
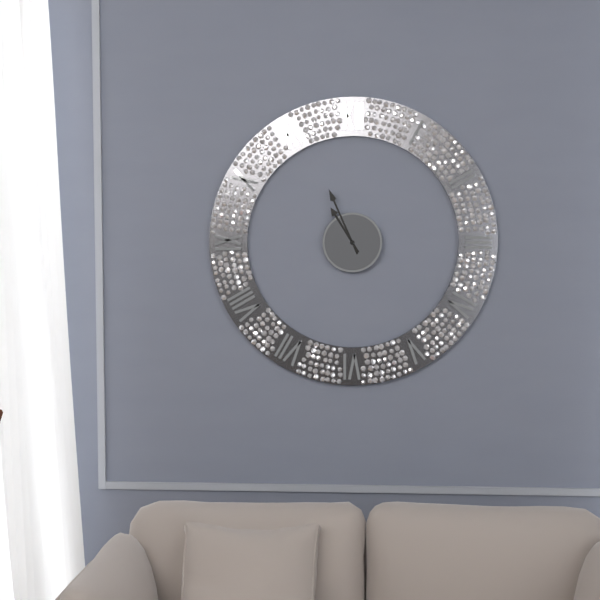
10:56
